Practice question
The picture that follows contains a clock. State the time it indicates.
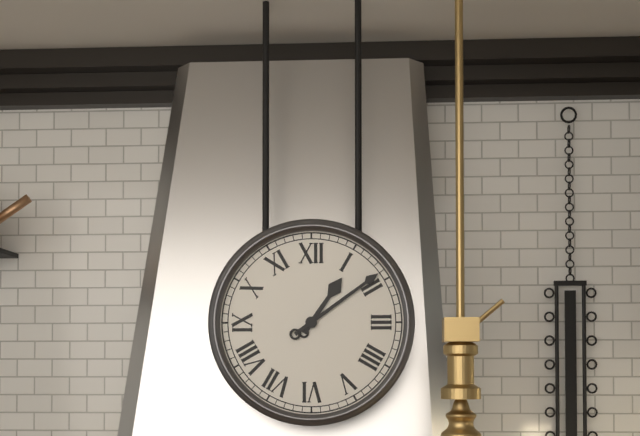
1:09
